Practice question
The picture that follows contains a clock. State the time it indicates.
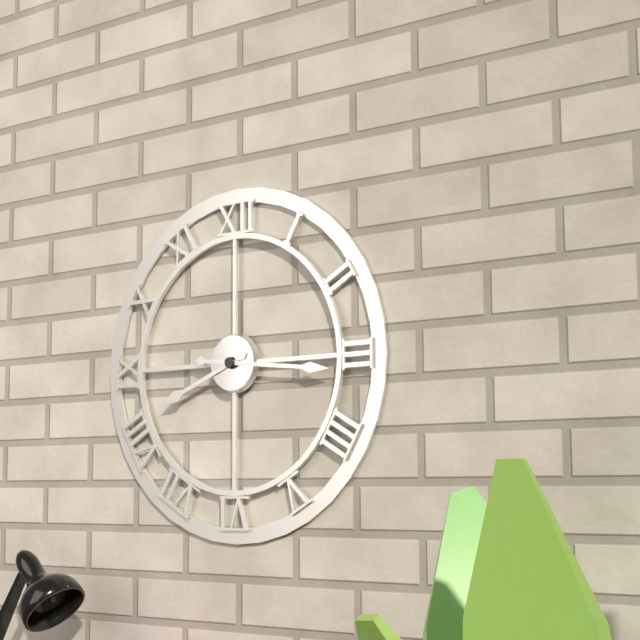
8:16
